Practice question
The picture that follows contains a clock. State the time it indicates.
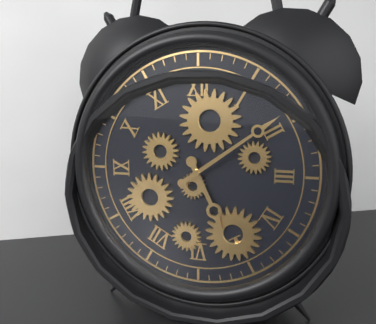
5:09
